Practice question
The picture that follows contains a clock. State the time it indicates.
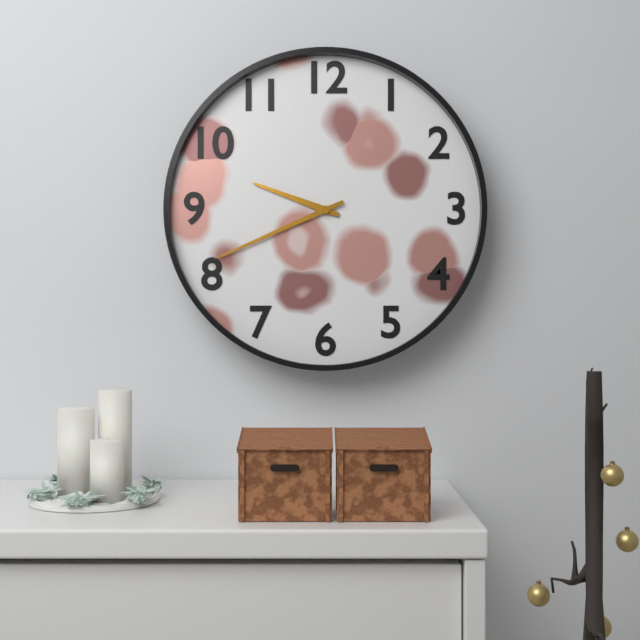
9:41
